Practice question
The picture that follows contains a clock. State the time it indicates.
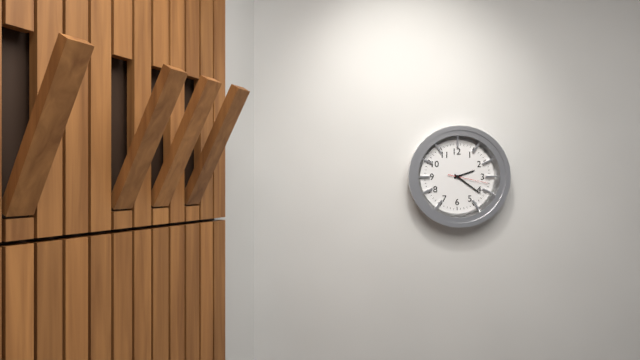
2:21
